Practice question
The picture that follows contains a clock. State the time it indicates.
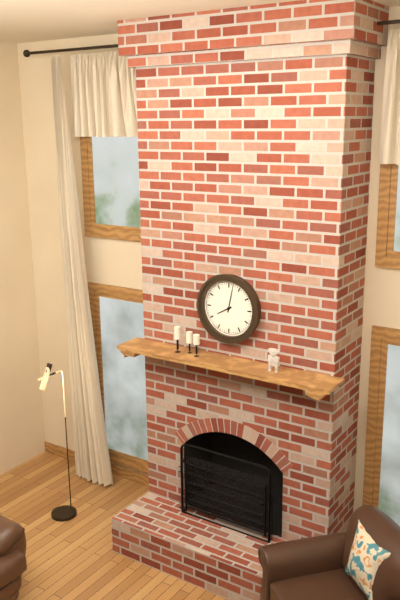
8:02
